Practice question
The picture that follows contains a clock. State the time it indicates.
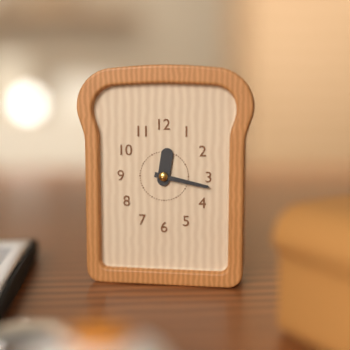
12:17
